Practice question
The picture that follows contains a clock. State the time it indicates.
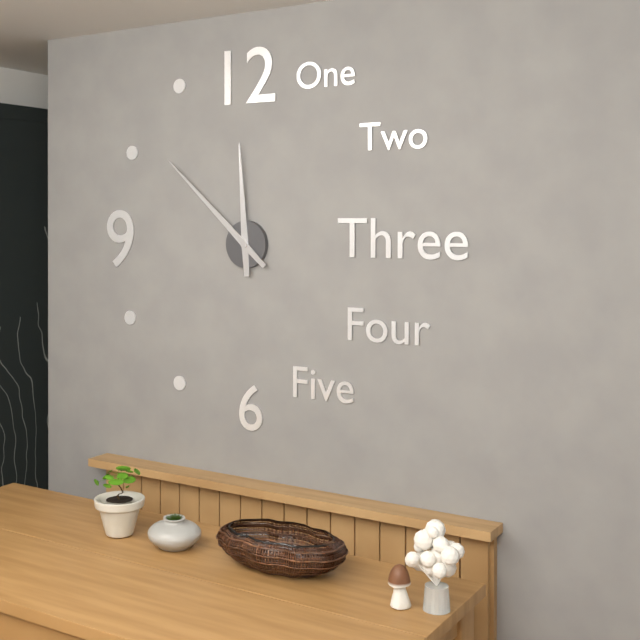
11:52
